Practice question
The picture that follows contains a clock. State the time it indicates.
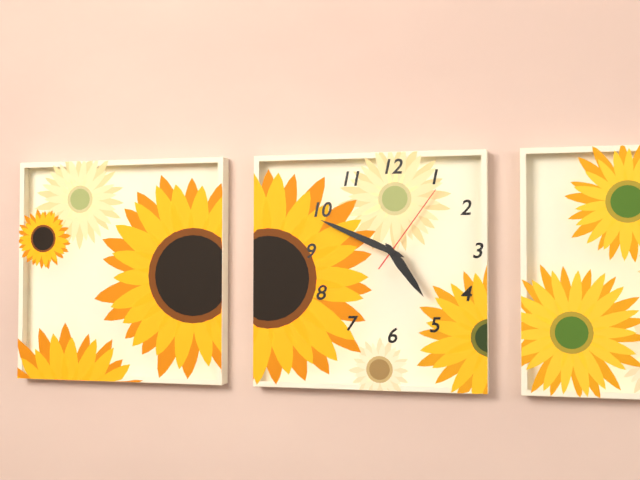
4:49:06
